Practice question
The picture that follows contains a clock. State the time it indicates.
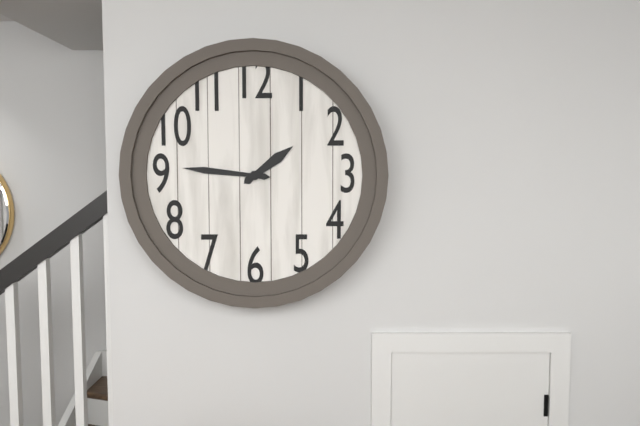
1:46
